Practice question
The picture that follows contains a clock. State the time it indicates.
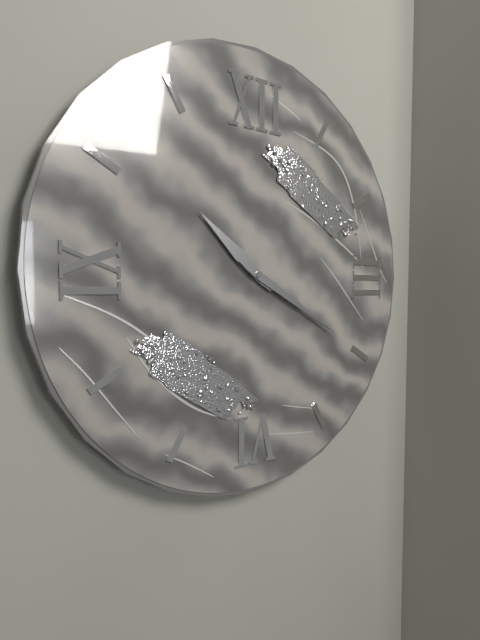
10:20
